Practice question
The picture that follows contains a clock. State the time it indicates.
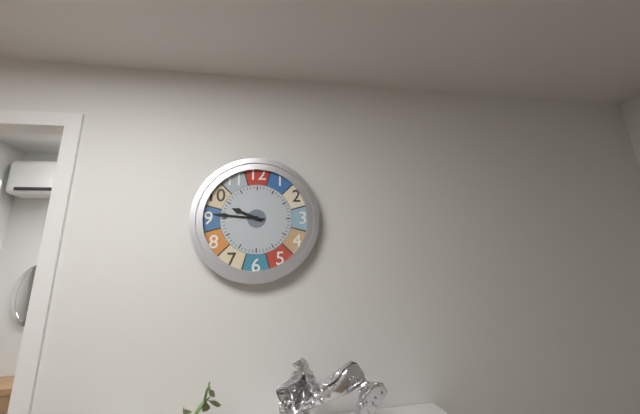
9:46
